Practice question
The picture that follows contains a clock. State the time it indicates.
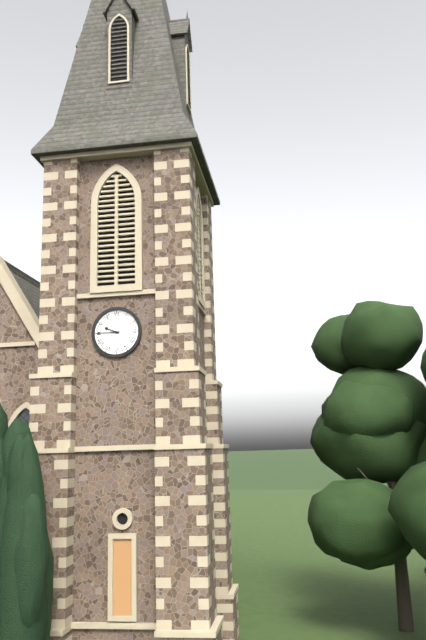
9:45
